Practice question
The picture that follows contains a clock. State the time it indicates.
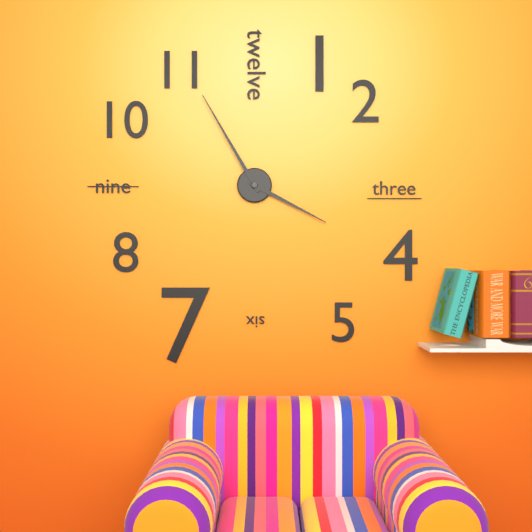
3:55
